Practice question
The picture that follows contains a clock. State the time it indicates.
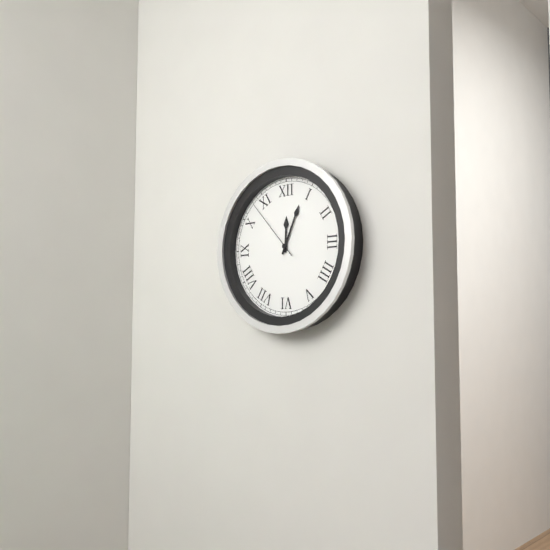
12:04:53
